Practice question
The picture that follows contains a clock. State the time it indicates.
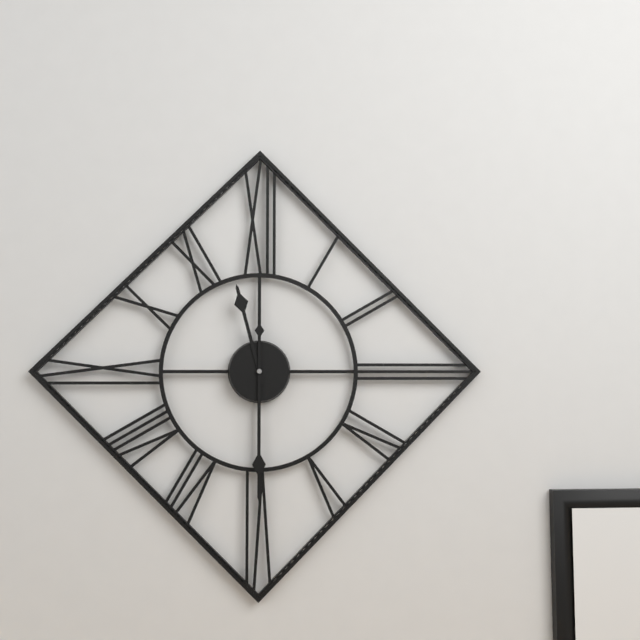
11:30
